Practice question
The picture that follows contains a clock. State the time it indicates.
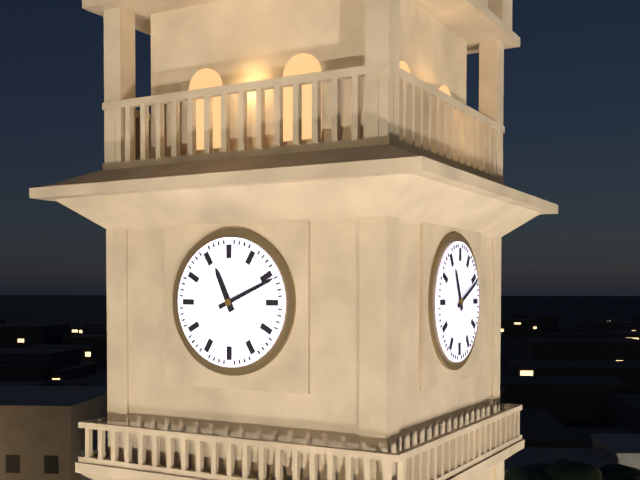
11:11
